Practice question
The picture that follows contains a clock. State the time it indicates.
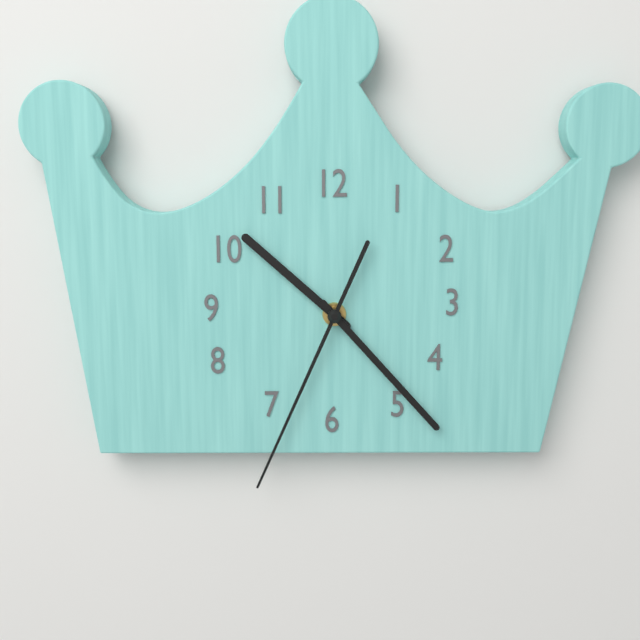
10:23:34
